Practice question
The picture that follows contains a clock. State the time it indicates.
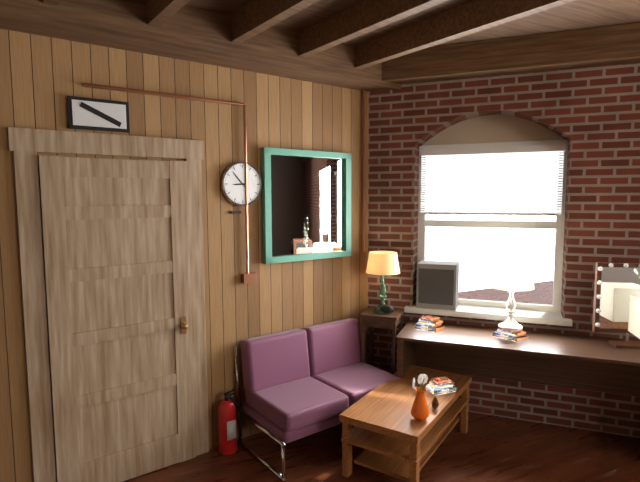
8:53
